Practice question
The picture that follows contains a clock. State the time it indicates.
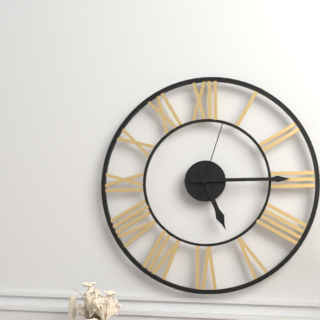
5:15:03
